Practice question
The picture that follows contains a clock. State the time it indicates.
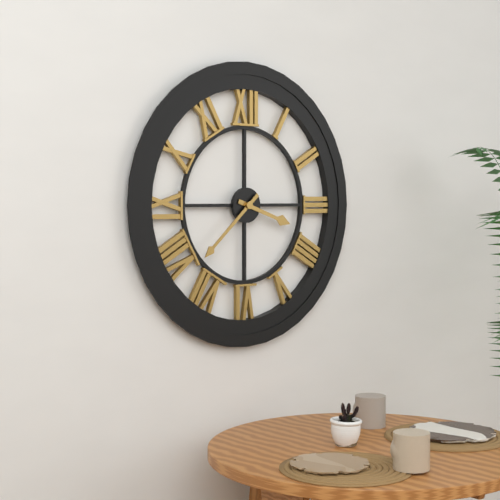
3:38
